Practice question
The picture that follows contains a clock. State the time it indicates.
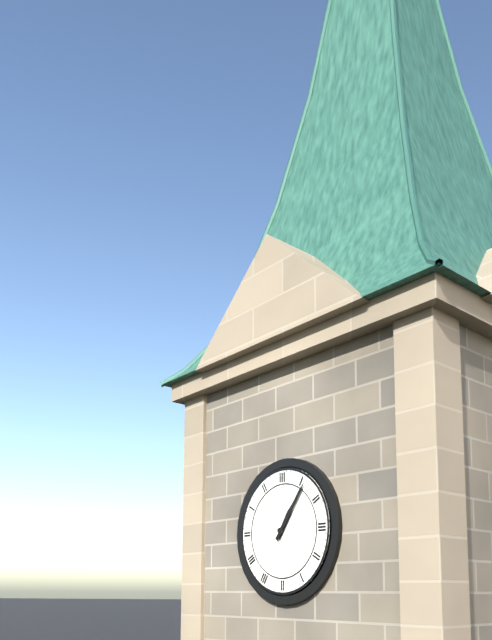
1:06
